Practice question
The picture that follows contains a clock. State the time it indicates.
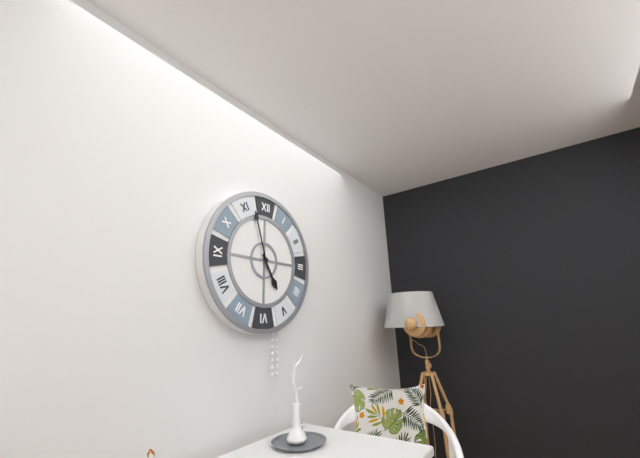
4:57
